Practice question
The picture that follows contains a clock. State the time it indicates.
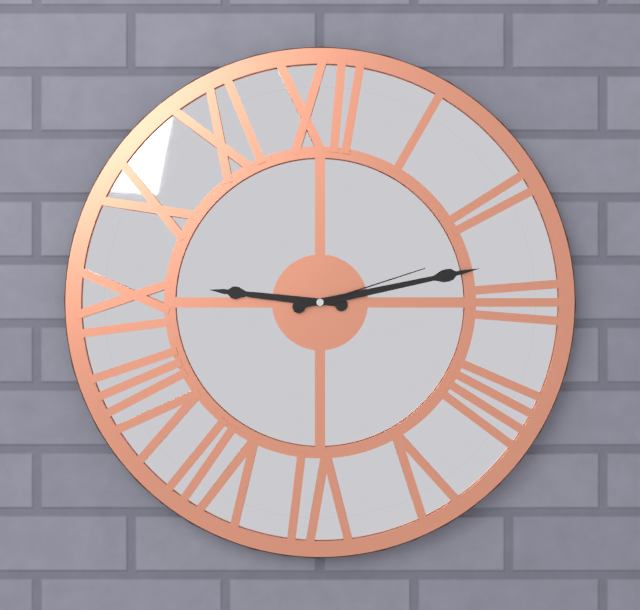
9:13:12
